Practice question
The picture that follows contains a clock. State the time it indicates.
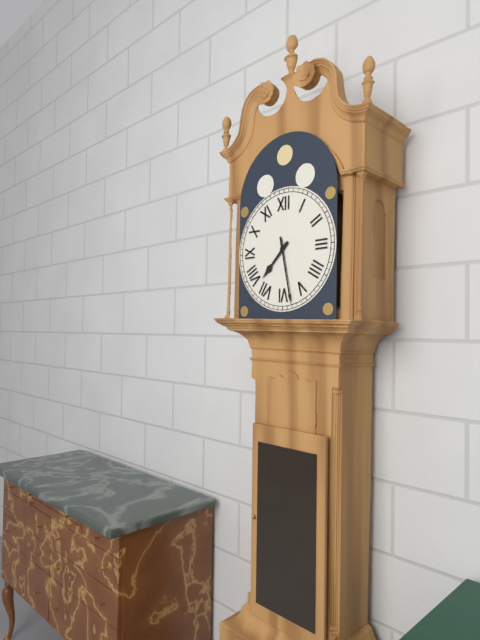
7:28
